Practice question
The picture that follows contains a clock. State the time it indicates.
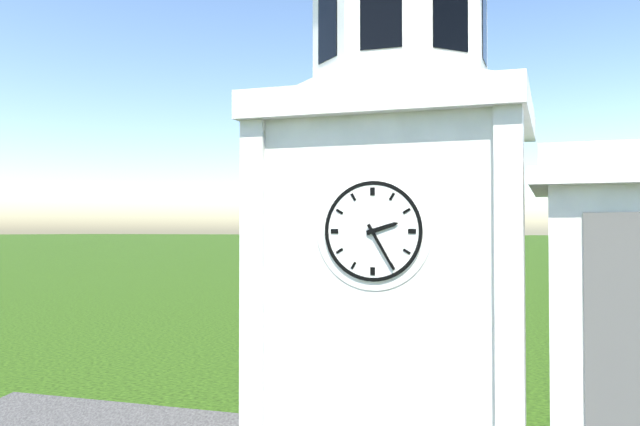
2:25
